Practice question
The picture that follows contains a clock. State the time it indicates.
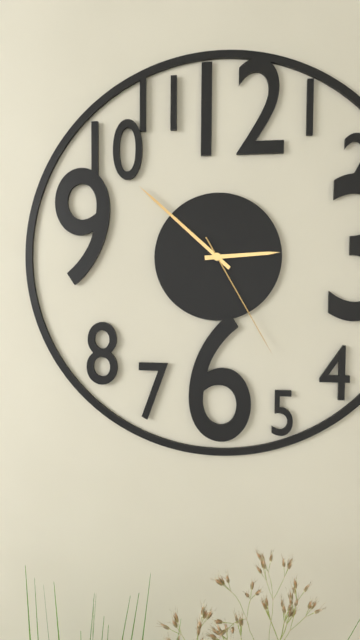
2:52:25
